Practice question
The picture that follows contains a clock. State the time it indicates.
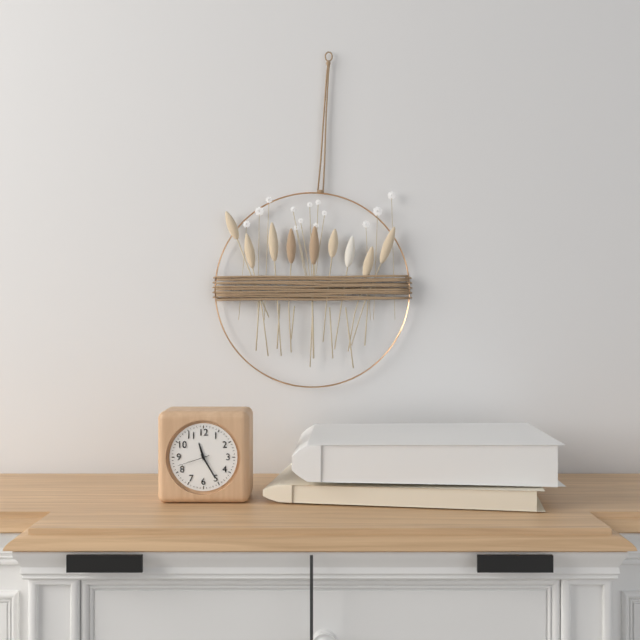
11:25
